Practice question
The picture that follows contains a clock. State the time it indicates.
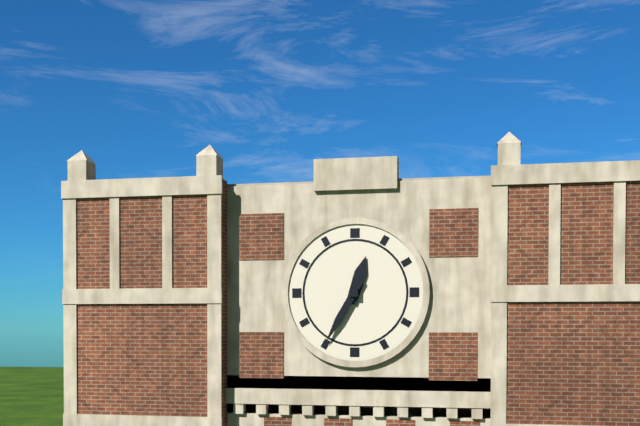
12:35
